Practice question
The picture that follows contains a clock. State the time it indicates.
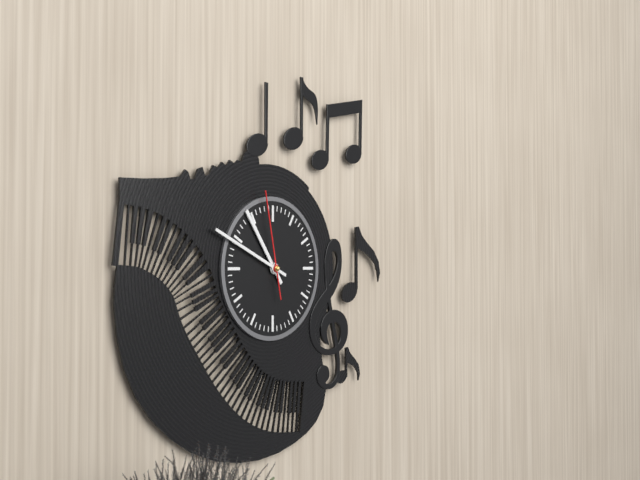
10:49:58
